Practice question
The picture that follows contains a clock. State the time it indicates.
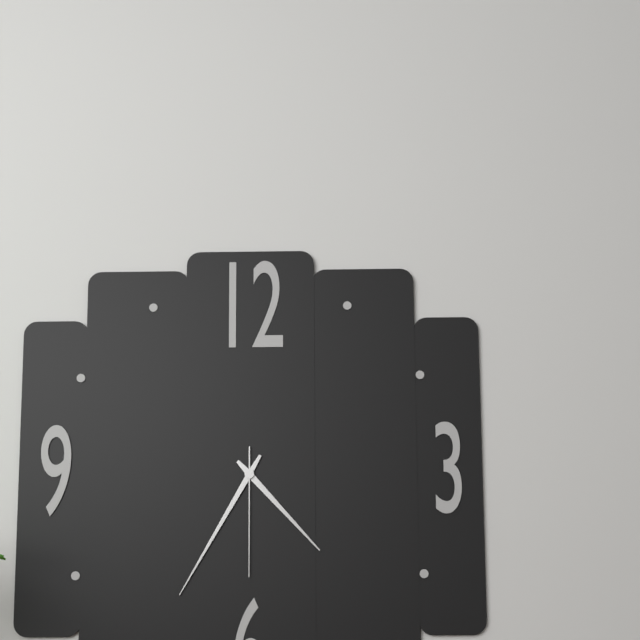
4:35:30
